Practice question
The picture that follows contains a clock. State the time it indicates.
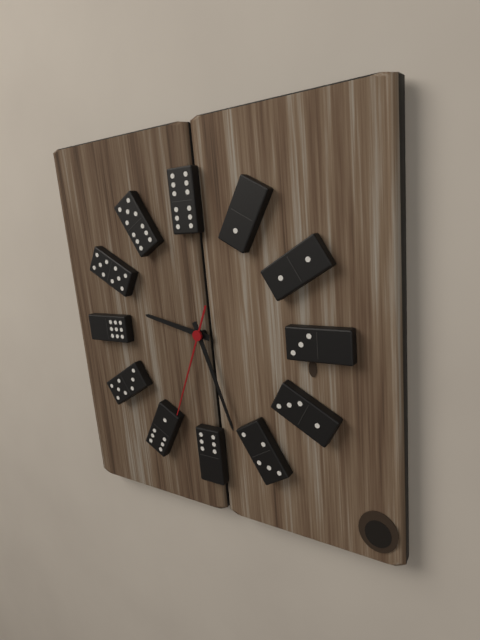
9:27:34
